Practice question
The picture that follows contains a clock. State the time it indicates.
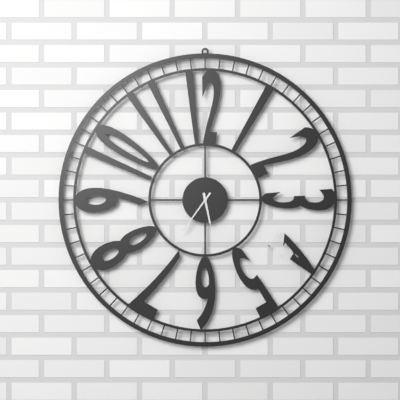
5:36
